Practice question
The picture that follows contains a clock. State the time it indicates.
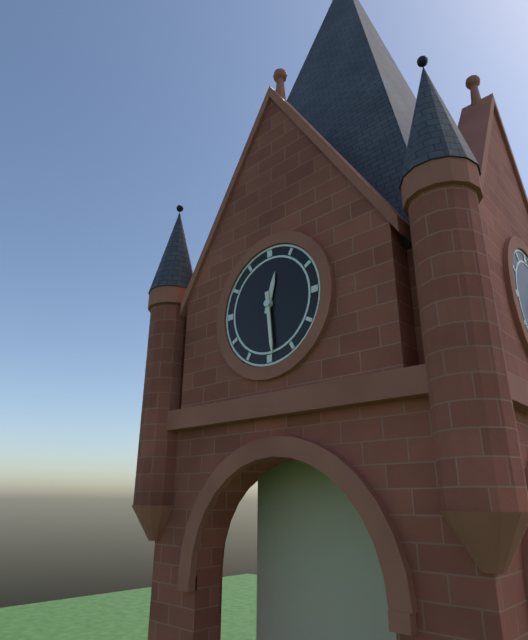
12:29
